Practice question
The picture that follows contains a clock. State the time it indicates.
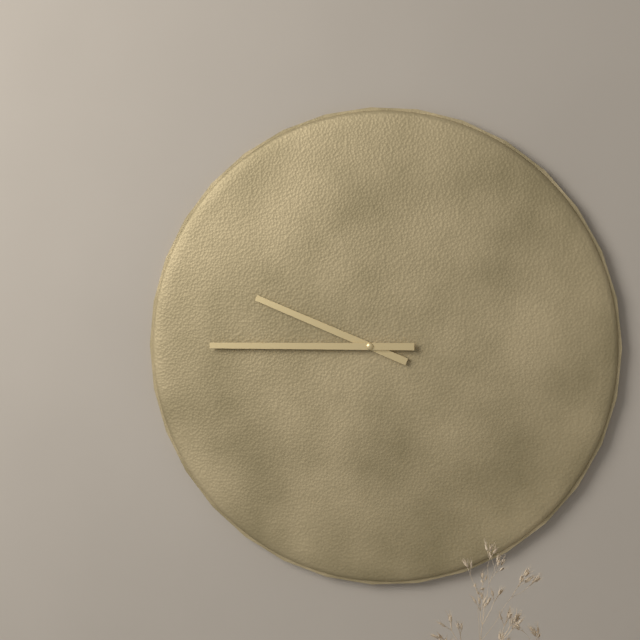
9:45
